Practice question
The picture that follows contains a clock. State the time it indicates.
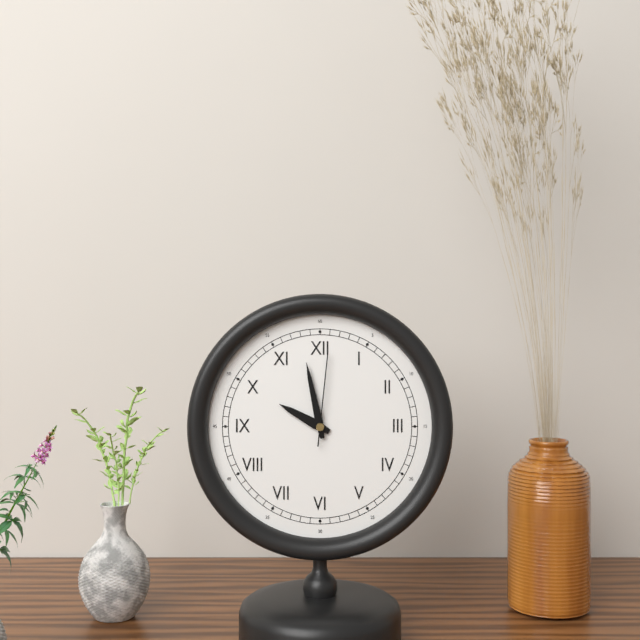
9:58:01
